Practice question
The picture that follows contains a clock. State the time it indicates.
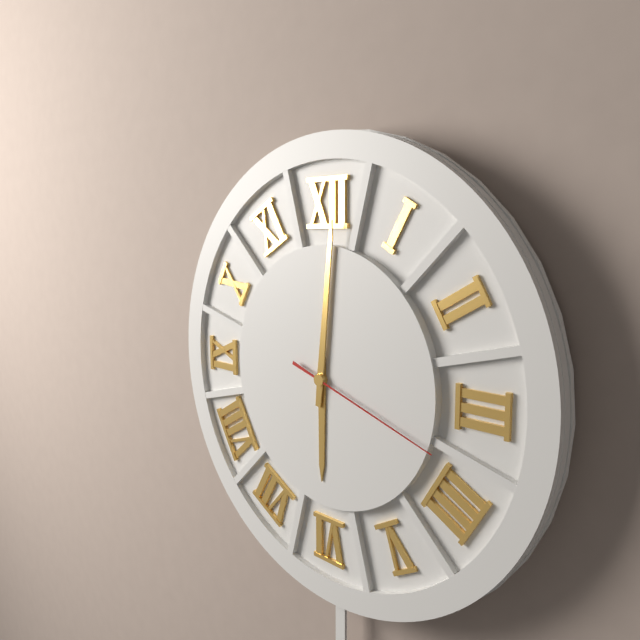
6:01:18
